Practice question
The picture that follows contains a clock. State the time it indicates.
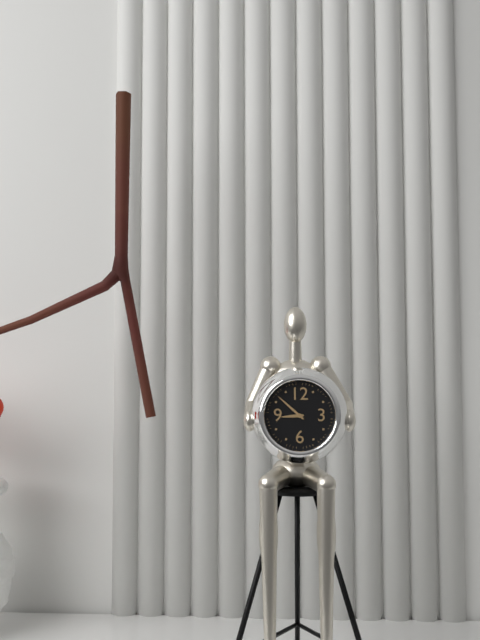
8:52
